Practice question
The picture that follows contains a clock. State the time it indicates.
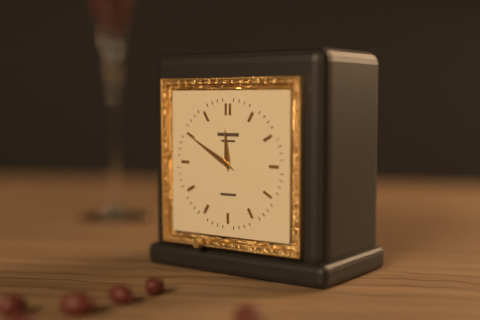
11:50
